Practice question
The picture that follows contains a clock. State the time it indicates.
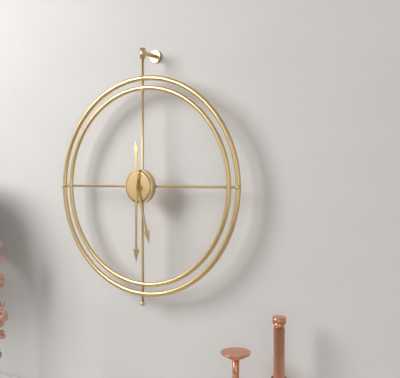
5:30
